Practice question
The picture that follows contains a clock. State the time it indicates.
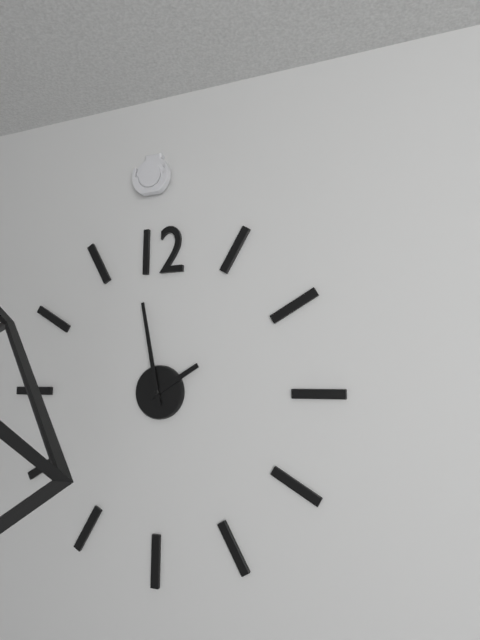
1:58
